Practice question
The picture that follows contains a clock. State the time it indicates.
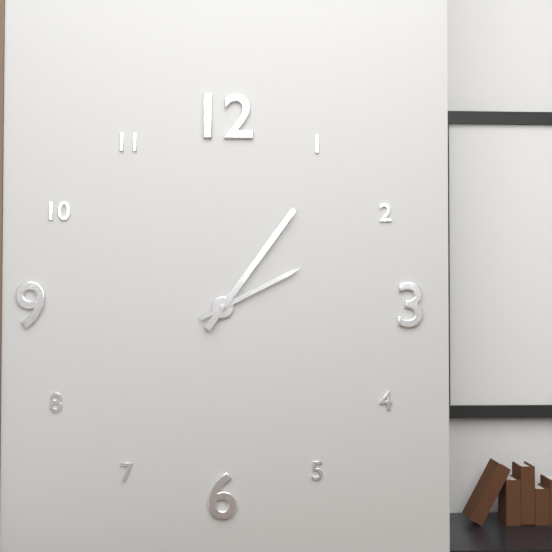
2:06
